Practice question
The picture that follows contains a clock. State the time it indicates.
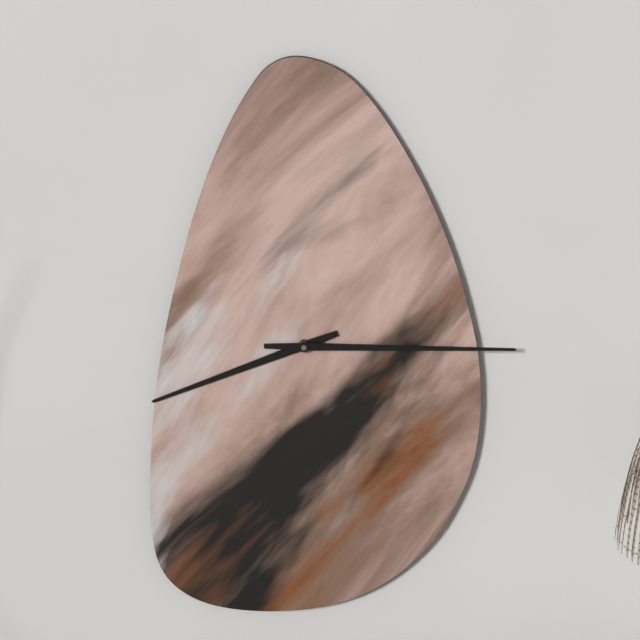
8:15
